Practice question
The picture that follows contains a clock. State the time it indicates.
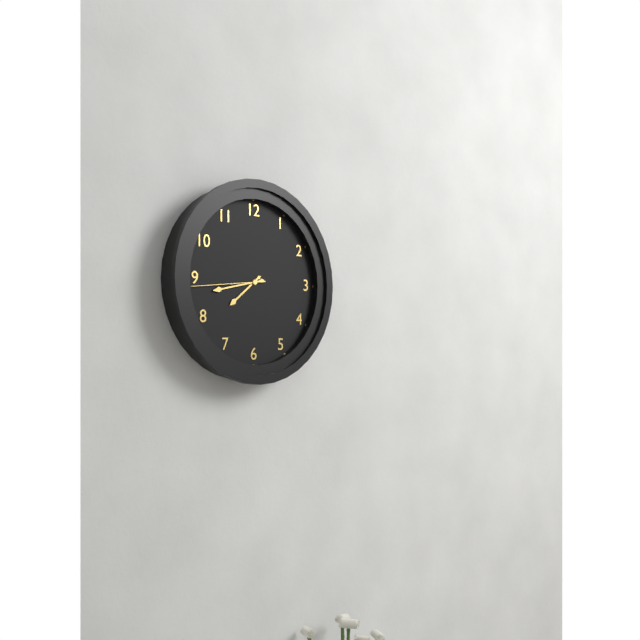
7:43:44
